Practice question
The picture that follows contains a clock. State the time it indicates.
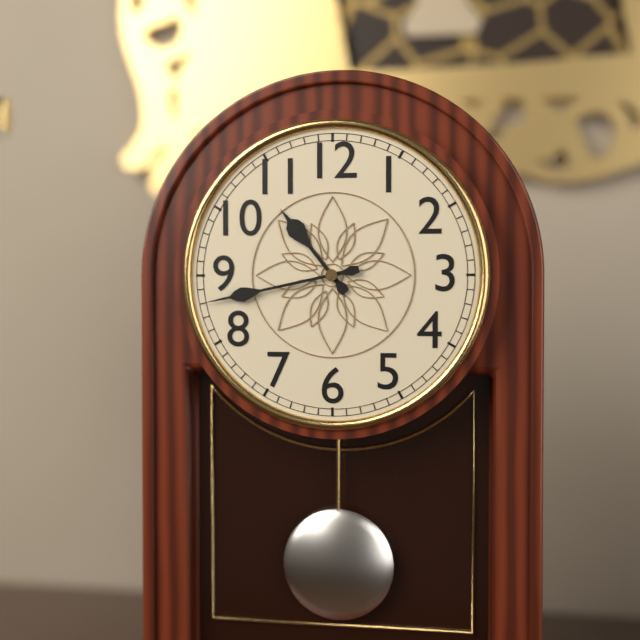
10:43
